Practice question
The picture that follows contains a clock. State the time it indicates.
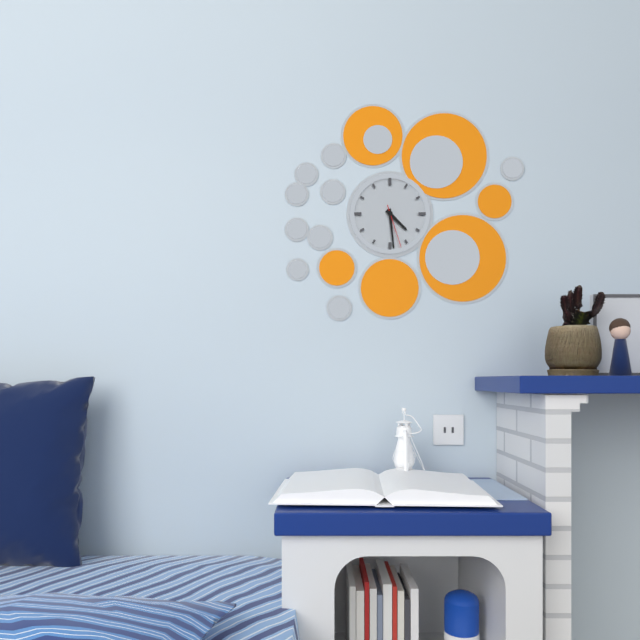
4:29
